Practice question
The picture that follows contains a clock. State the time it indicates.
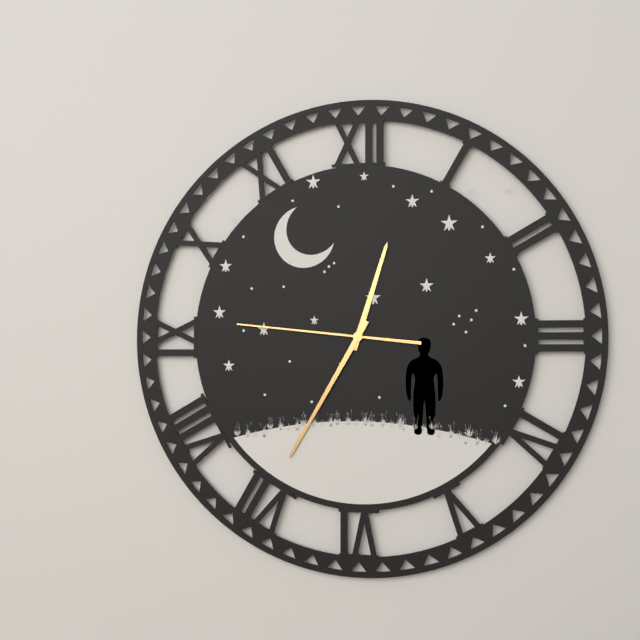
12:35:46
